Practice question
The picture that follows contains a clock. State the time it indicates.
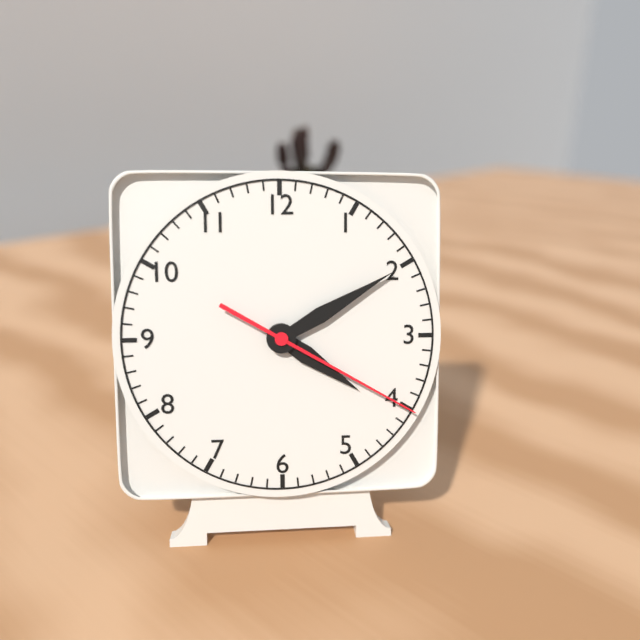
4:10:20
